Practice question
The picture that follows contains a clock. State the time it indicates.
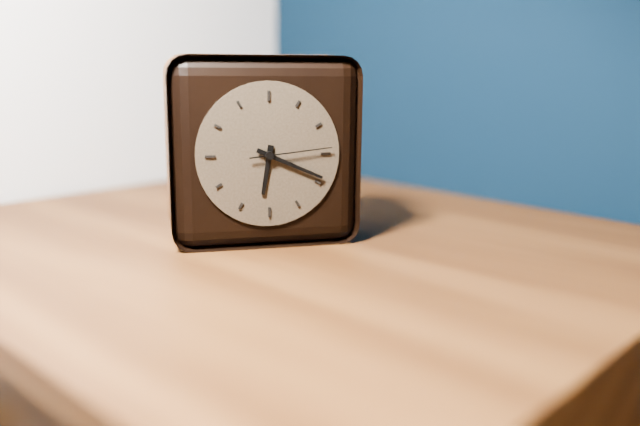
6:19:14
